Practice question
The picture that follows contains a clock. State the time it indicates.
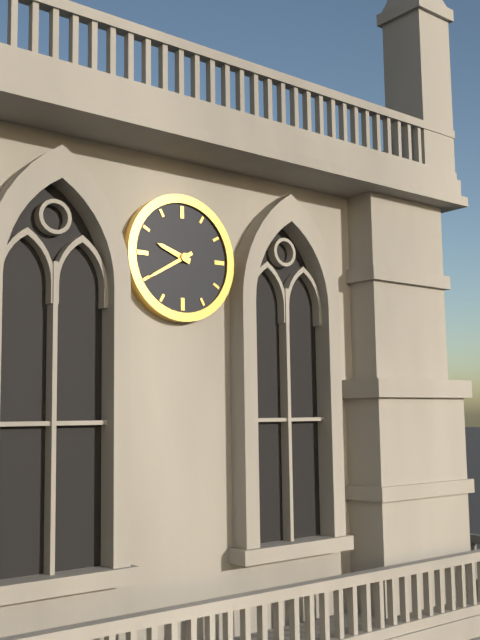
9:40
